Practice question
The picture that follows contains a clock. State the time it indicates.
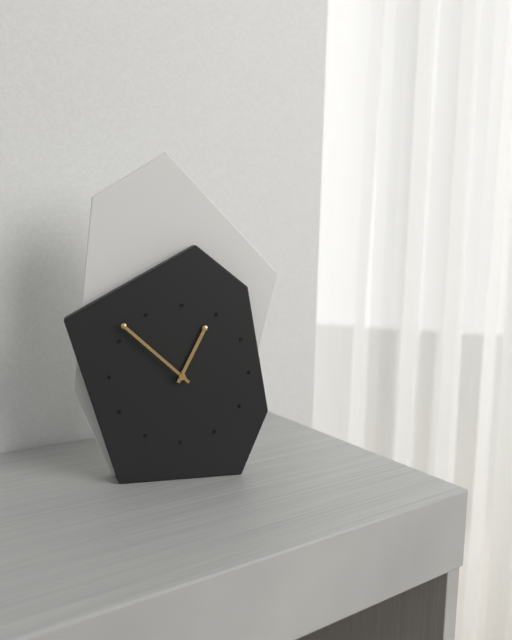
12:52
